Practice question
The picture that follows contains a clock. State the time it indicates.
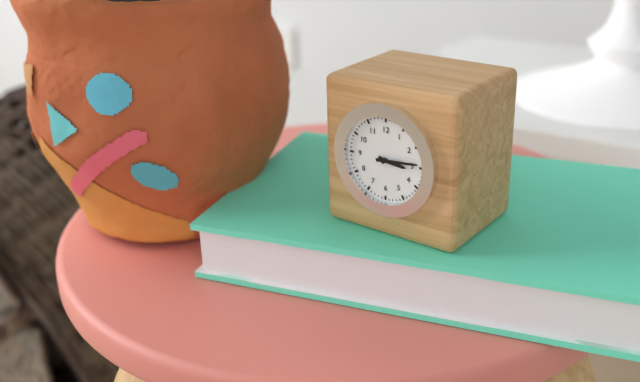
3:14
